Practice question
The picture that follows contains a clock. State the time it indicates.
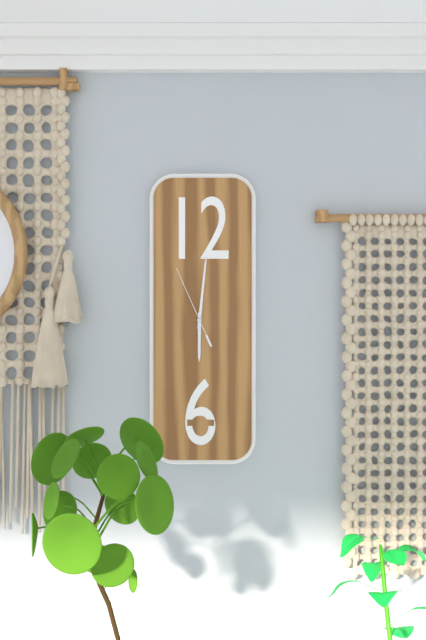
6:01:56
